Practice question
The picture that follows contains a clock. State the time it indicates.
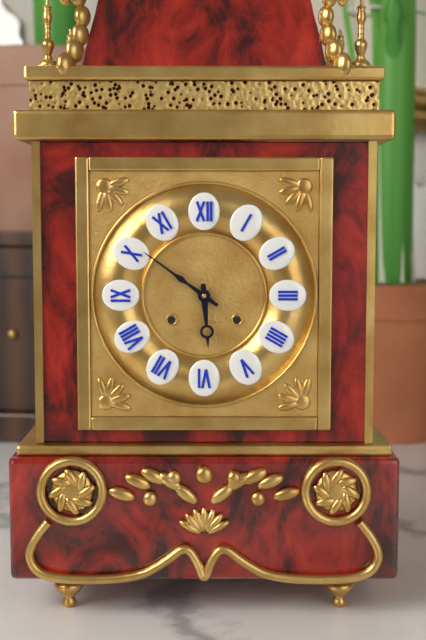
5:51
